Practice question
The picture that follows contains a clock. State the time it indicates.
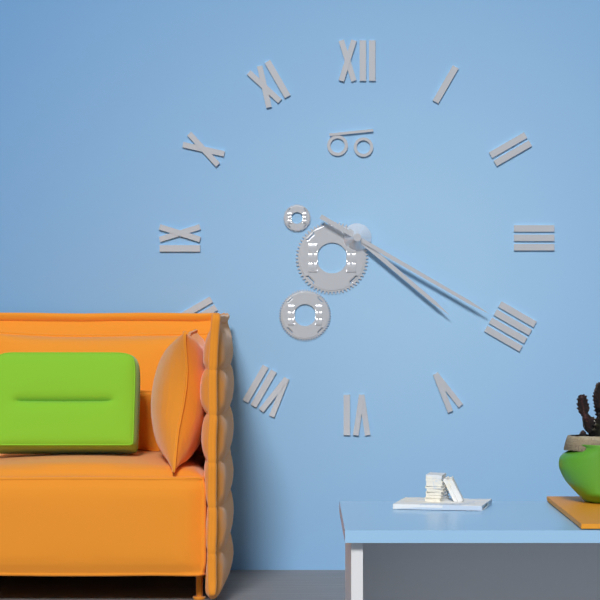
4:20
